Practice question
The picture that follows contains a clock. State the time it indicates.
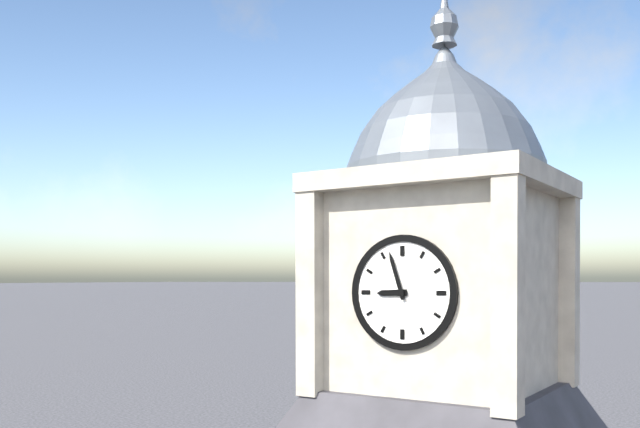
8:57
